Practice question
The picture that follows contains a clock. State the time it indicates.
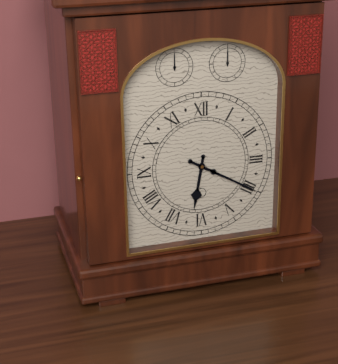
6:20
